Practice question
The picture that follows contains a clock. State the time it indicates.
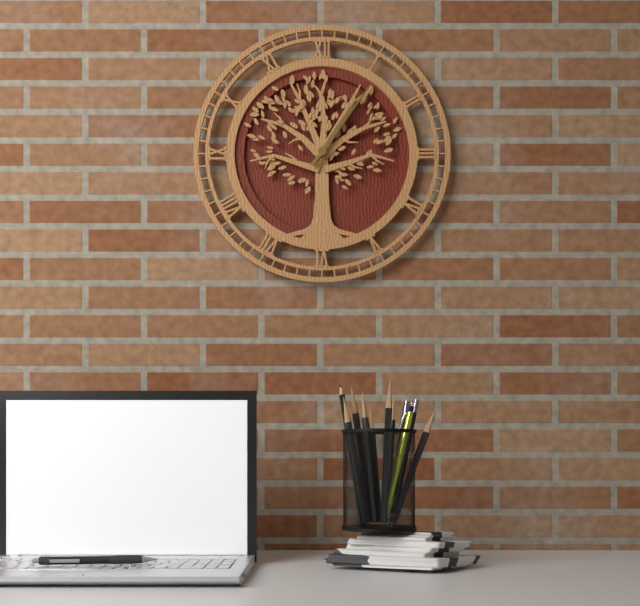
1:06
